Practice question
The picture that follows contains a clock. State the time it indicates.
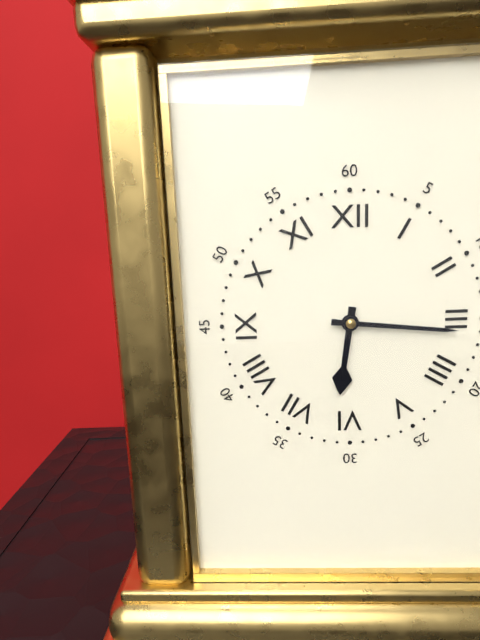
6:16
